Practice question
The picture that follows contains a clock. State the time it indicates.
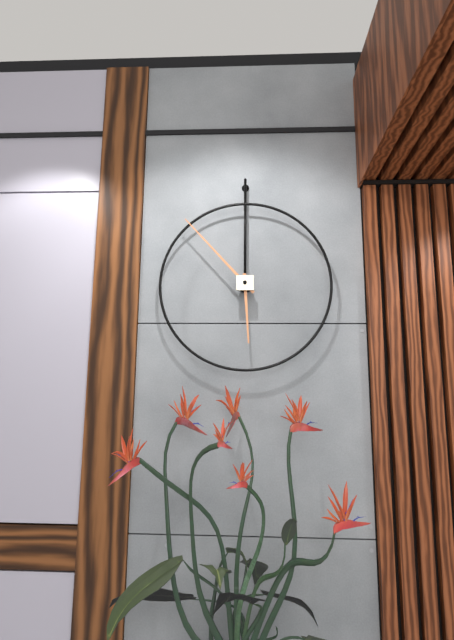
5:53
